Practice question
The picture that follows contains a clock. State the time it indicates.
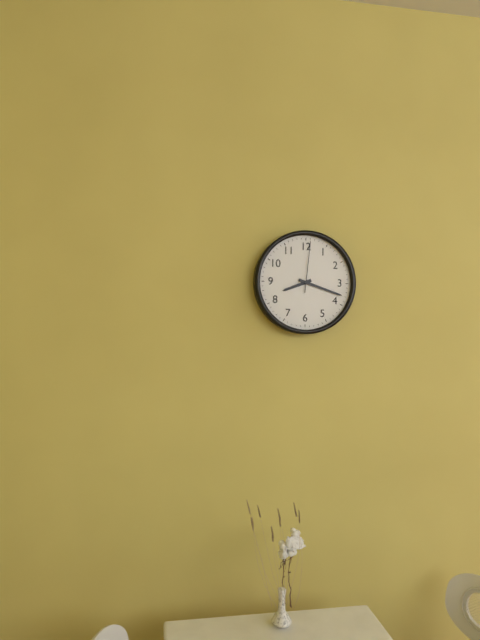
8:18:01
